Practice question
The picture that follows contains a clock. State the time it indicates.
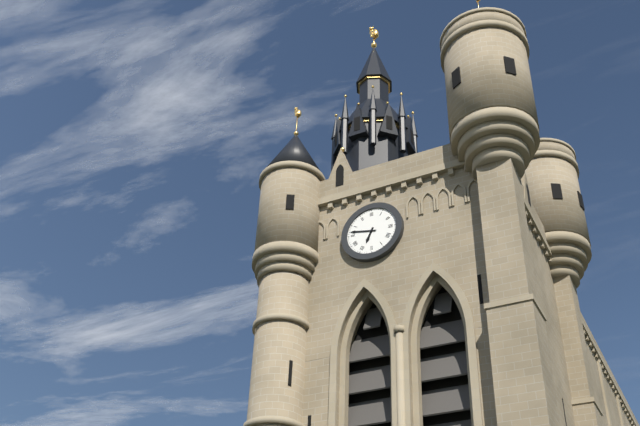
6:47
